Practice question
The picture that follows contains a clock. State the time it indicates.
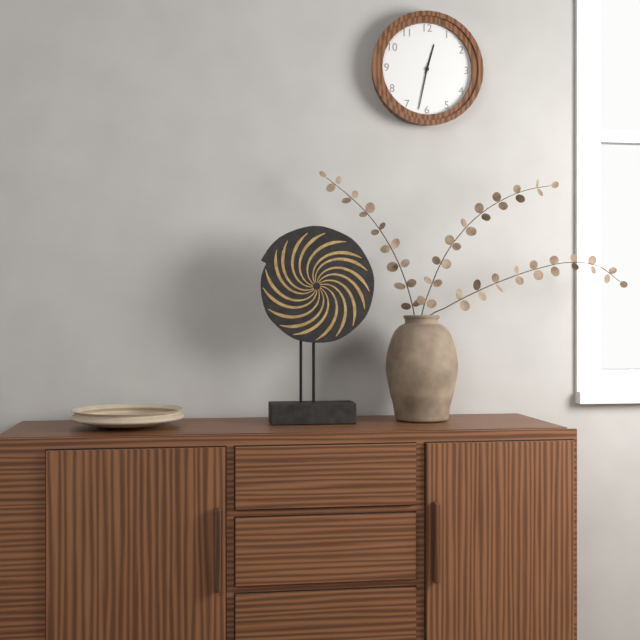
12:32
